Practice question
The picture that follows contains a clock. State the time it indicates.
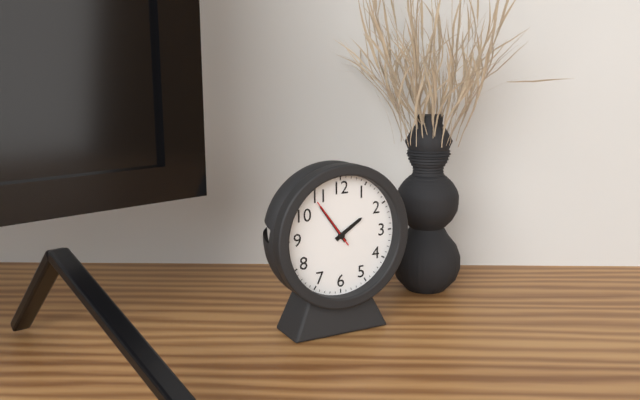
1:54:54
